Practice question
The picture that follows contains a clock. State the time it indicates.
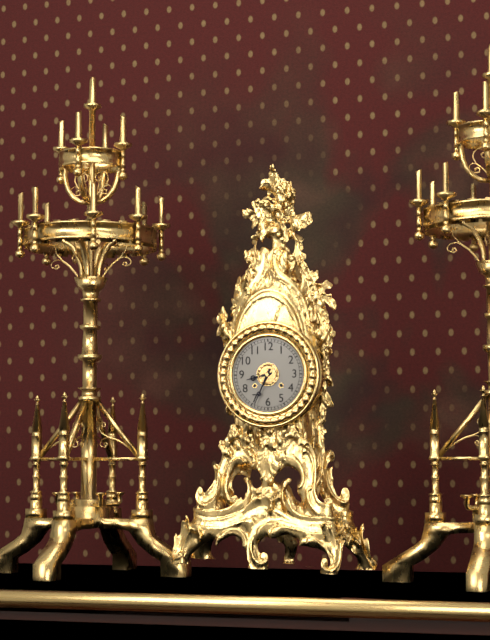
8:34
